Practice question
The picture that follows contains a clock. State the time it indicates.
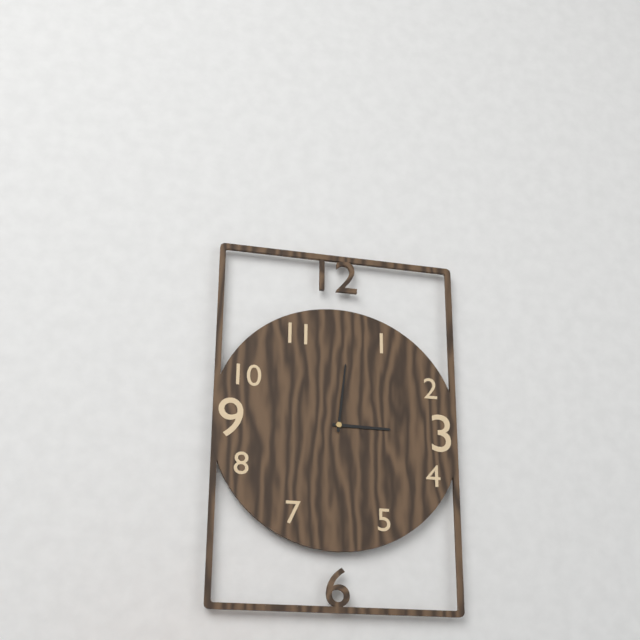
3:01
